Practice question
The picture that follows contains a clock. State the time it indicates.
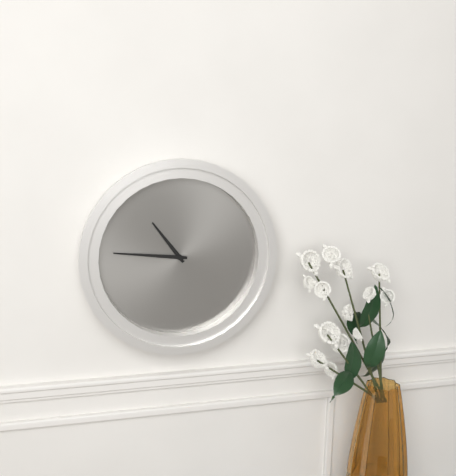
10:46
